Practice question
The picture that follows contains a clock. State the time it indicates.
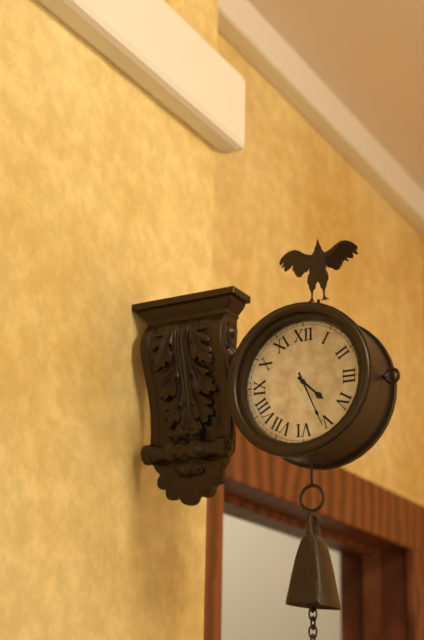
4:26
